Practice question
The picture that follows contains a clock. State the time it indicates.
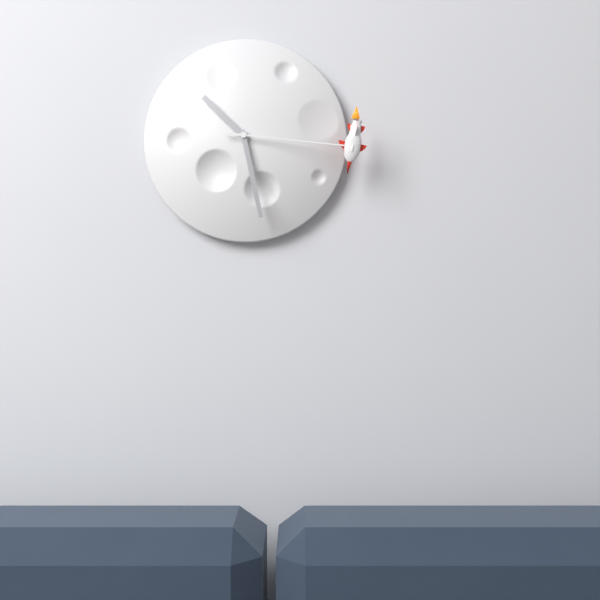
10:28:16
